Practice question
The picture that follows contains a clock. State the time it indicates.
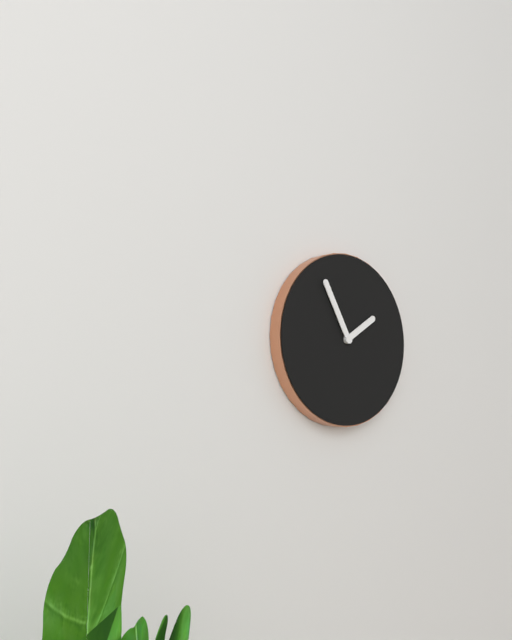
1:55
